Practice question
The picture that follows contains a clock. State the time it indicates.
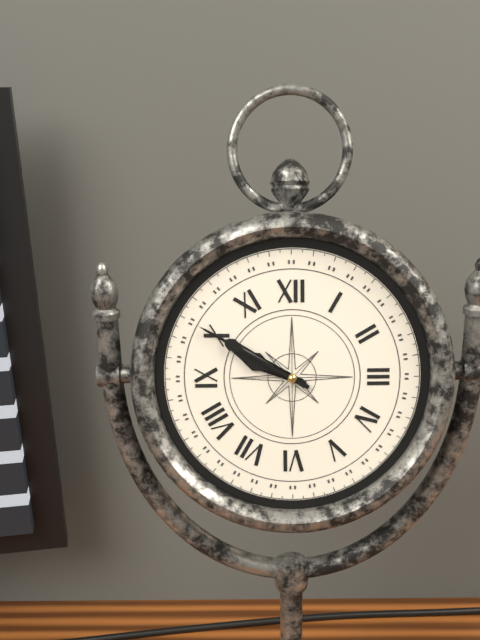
9:50
